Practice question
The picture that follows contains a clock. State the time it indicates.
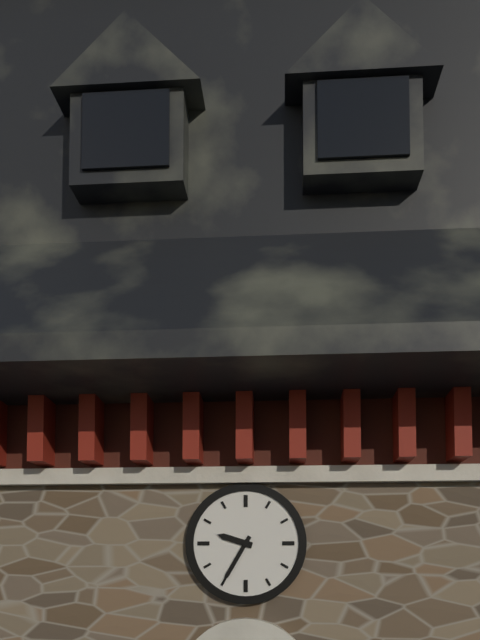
9:35
